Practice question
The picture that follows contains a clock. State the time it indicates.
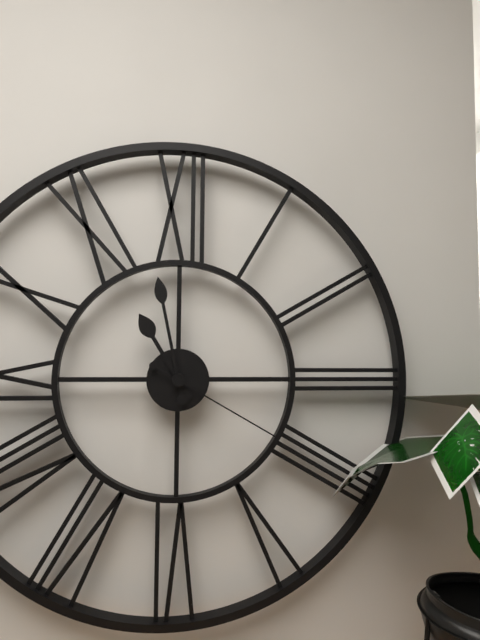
10:58:20
